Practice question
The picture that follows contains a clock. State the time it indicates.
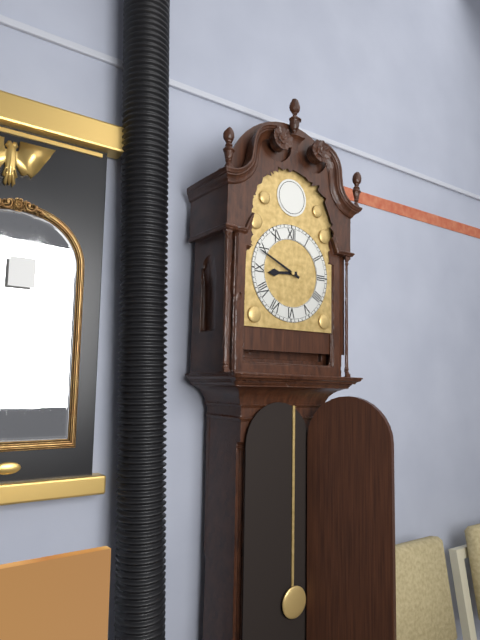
8:49
